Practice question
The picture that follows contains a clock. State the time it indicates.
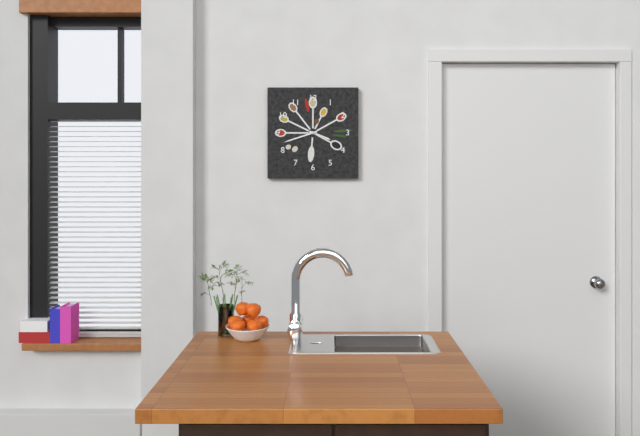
3:42
